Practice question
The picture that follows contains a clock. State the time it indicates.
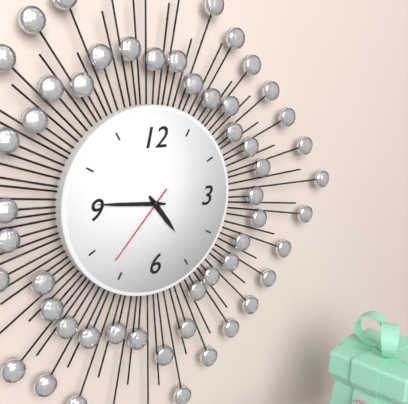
4:46:37
